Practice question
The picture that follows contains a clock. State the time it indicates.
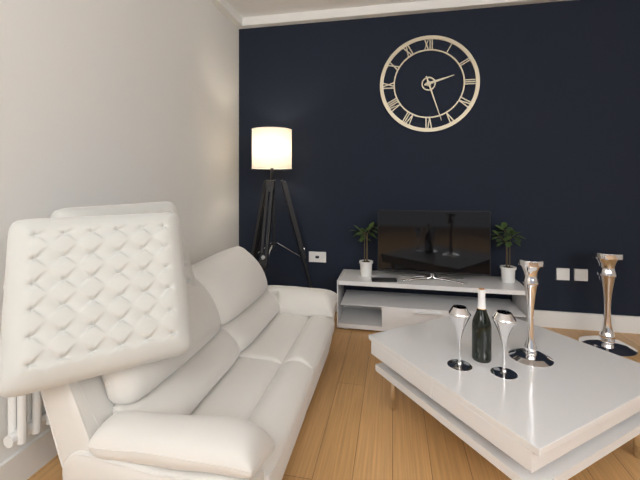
2:27
